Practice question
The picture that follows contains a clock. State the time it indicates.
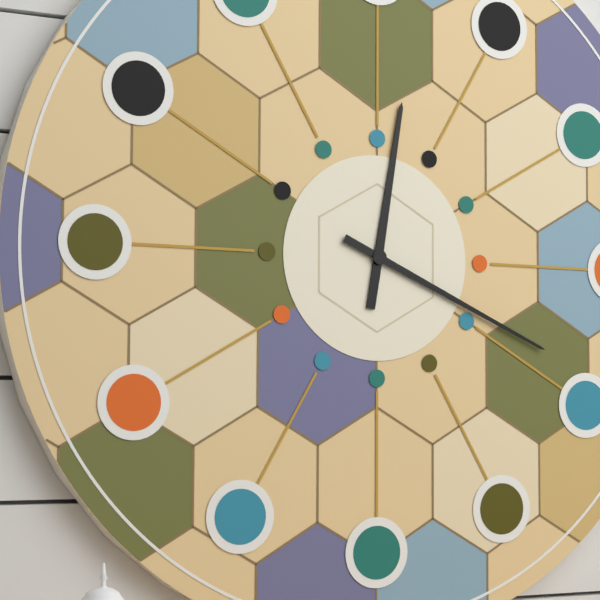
12:19
